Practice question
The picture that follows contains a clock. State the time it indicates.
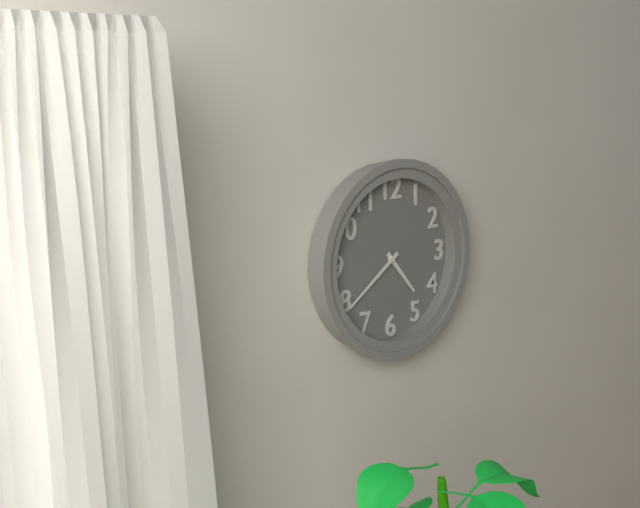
4:39
